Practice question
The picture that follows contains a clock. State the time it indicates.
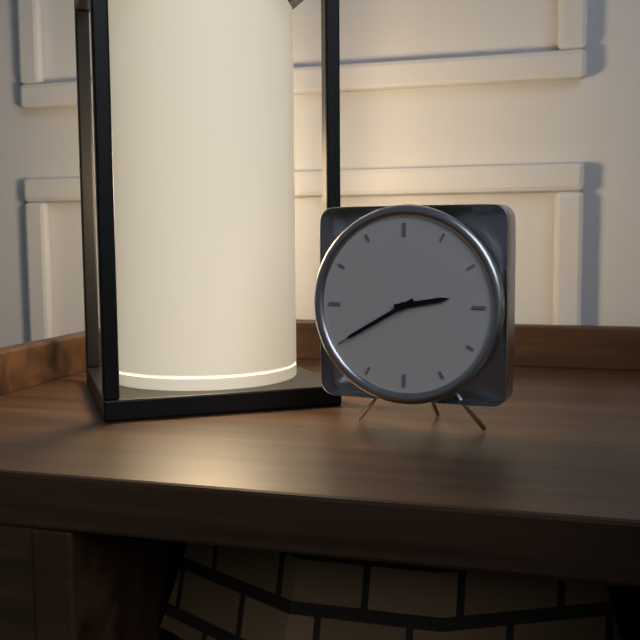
2:40
